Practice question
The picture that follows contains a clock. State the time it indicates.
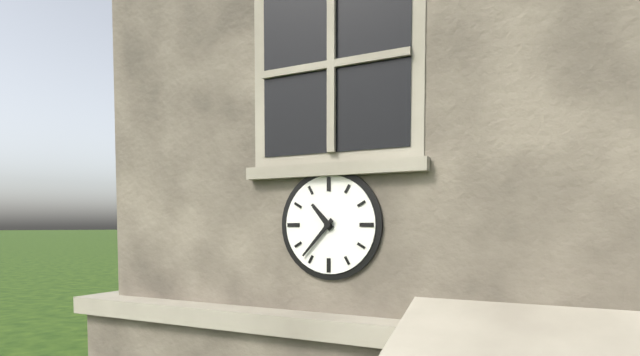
10:37
